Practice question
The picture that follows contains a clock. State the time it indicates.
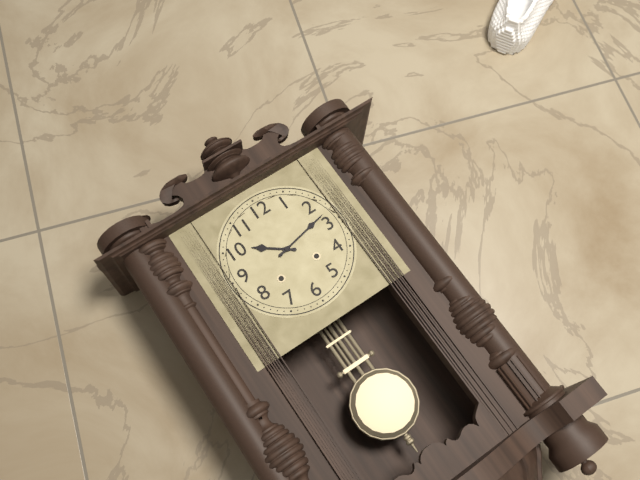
10:13
